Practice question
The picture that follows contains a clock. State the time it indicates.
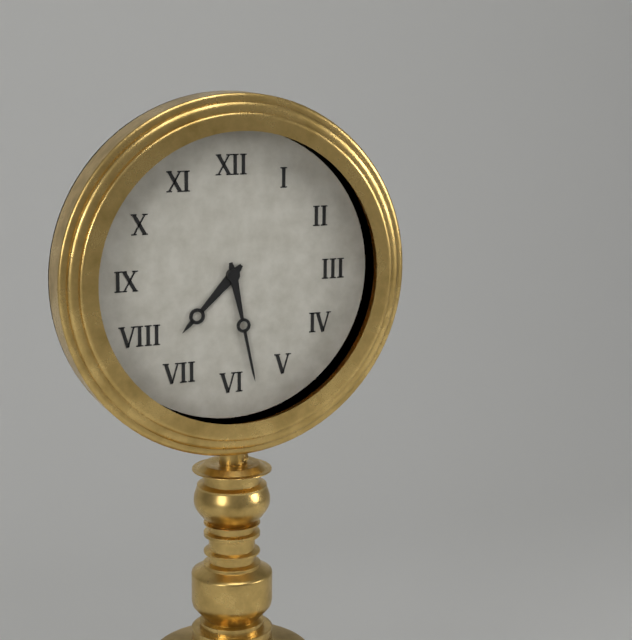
7:28
